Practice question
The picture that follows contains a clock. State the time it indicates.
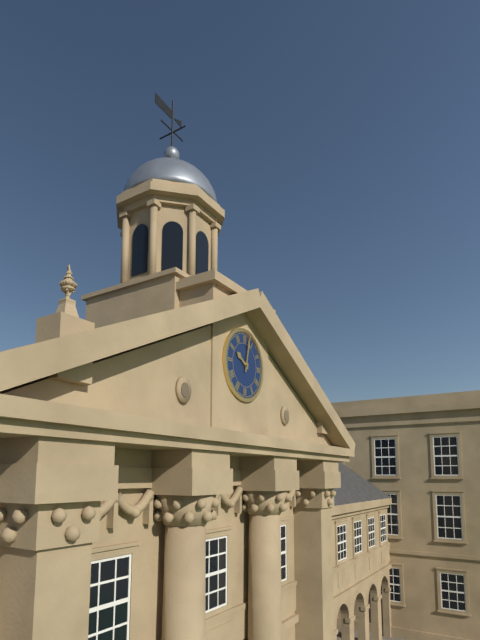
10:02
